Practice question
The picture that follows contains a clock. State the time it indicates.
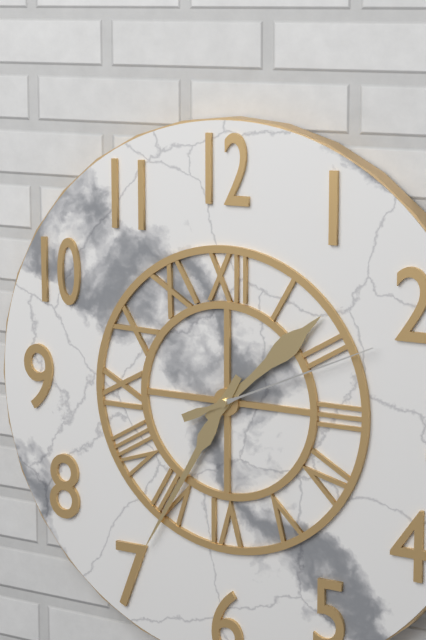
1:35:11
